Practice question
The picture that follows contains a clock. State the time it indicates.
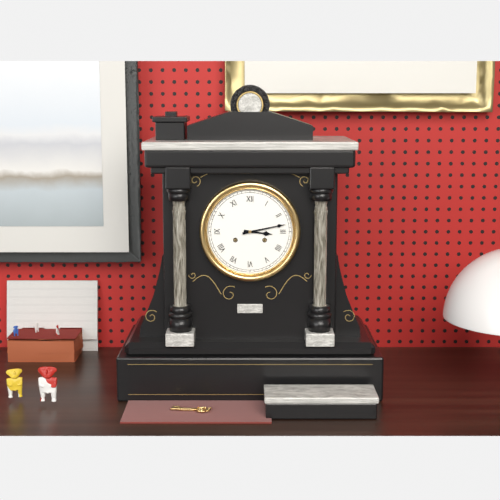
3:13
